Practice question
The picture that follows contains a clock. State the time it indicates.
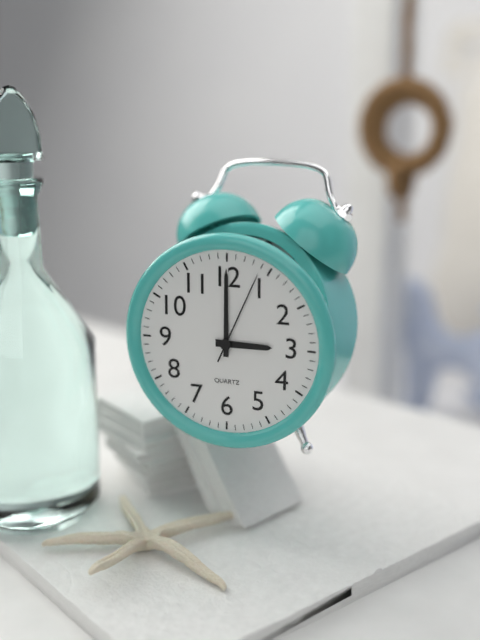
3:00:04
